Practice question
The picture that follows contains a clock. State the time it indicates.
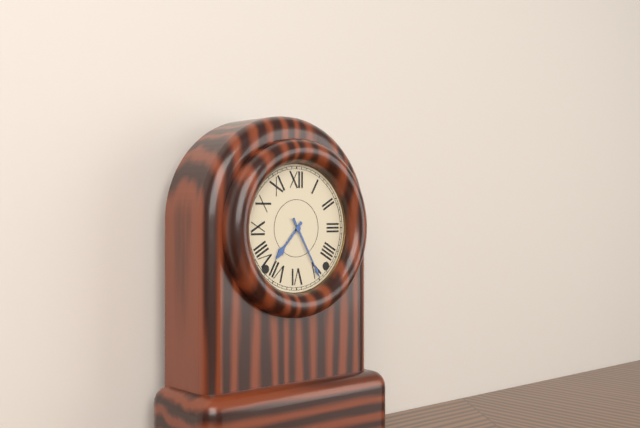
7:25
